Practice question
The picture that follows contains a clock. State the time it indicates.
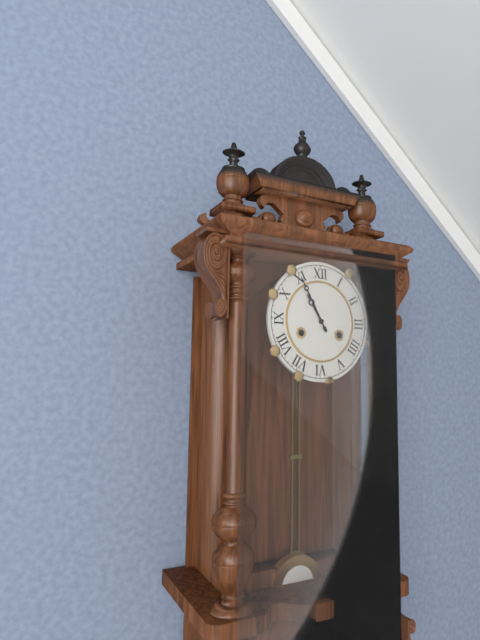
10:55
